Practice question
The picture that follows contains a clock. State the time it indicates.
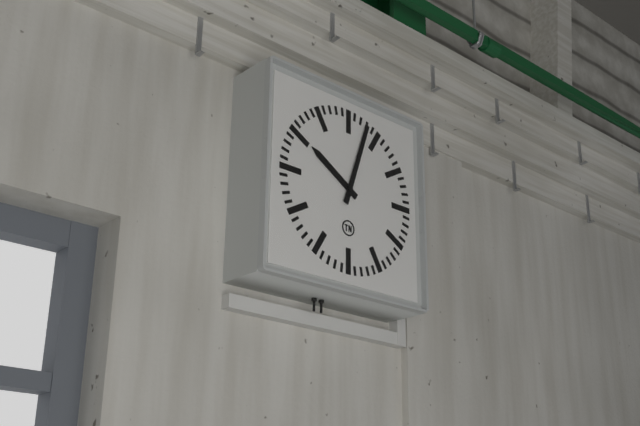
10:03
